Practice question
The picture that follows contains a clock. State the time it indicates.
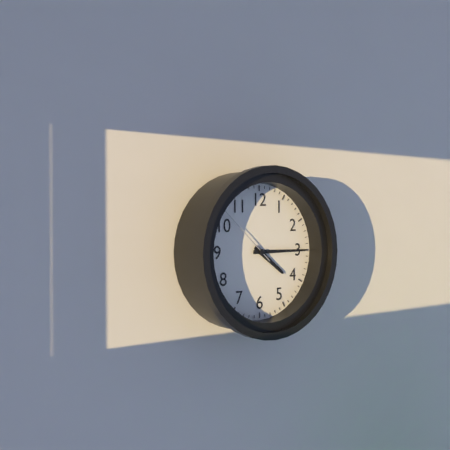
4:15:52
